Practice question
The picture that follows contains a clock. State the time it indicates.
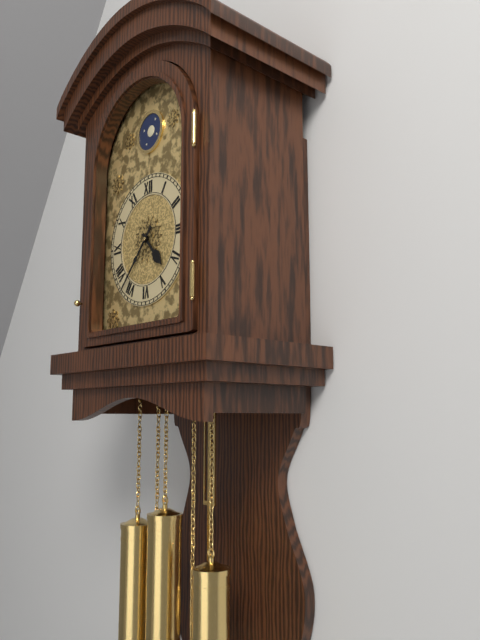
4:37
